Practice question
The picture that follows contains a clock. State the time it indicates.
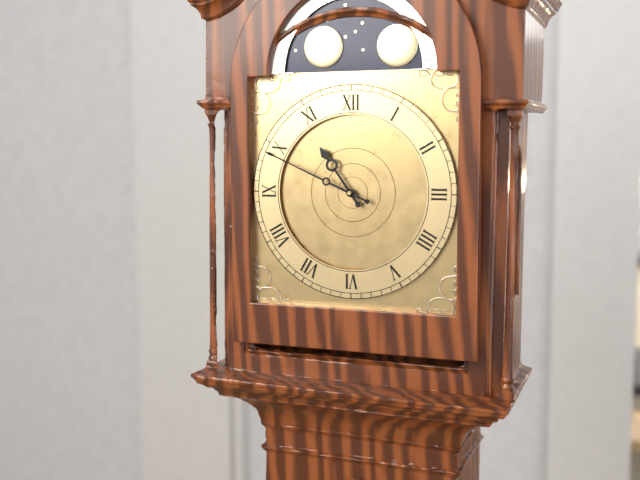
10:49
